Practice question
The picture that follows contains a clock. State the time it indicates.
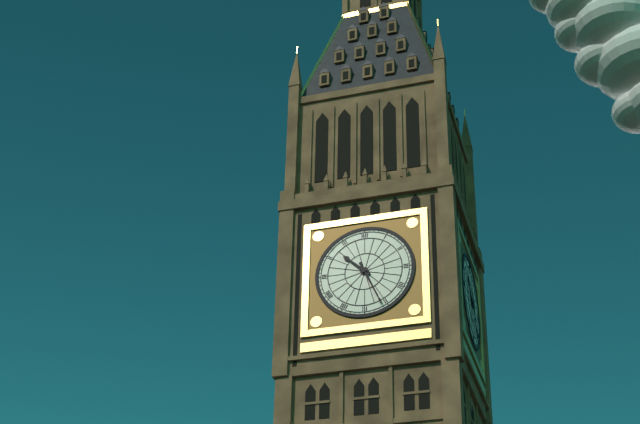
10:26
